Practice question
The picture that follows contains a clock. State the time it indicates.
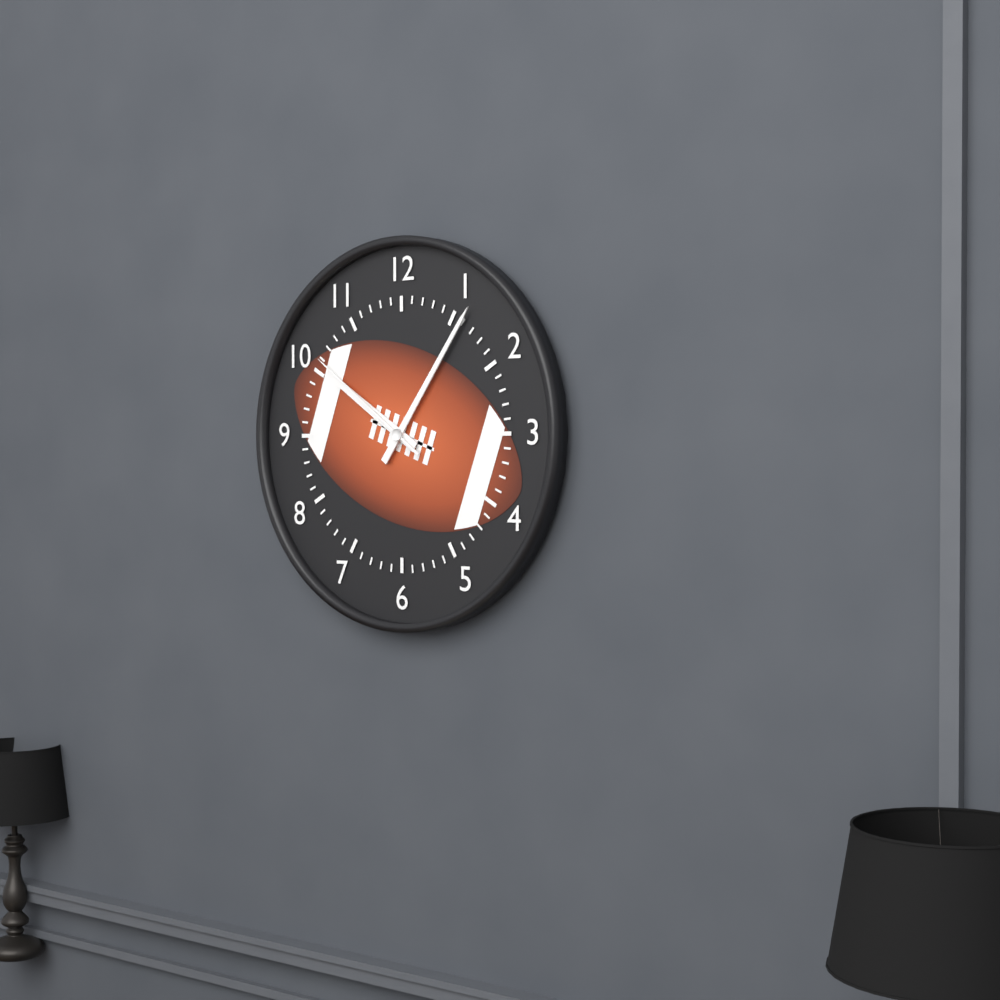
10:06:51
